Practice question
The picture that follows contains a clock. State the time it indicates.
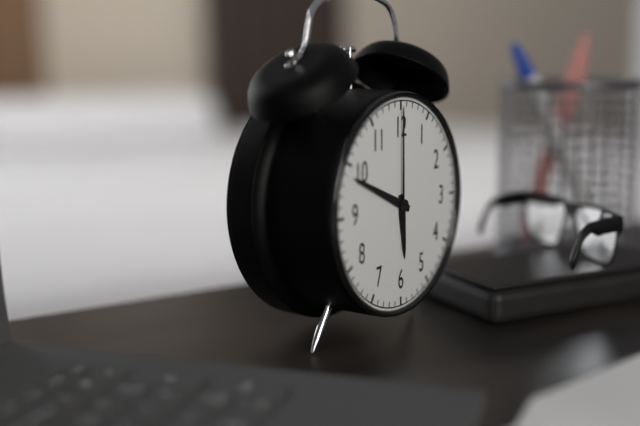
5:49:00
